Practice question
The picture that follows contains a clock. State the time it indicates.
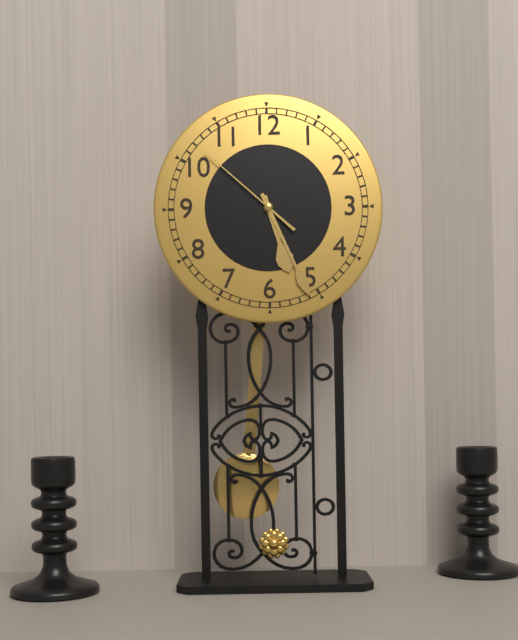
5:26:52
